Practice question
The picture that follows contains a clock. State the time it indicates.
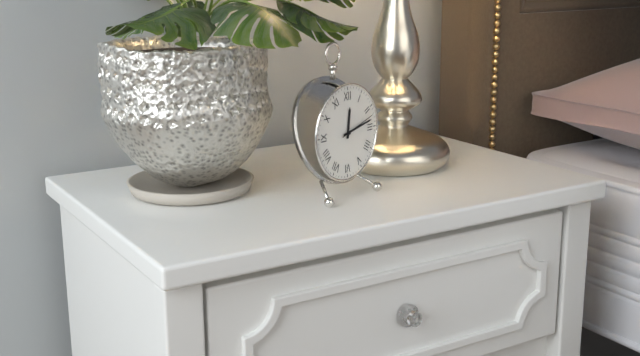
12:13
